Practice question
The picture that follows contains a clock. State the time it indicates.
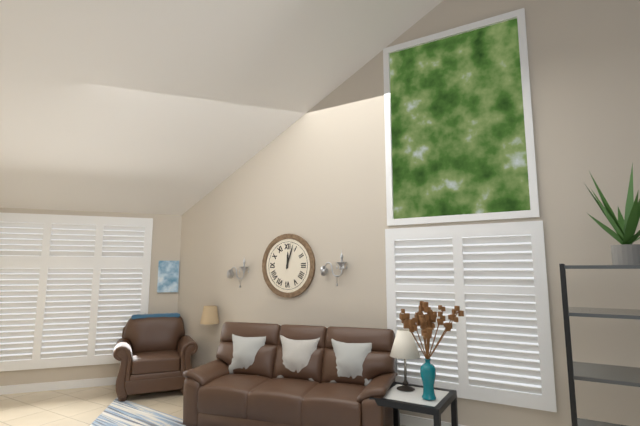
12:03
